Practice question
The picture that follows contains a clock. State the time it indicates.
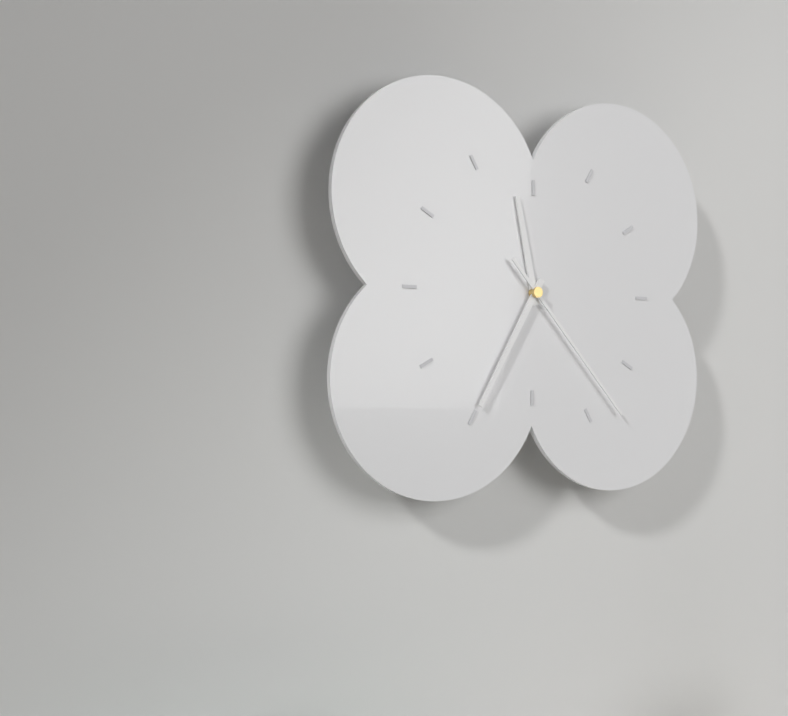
11:35:23
